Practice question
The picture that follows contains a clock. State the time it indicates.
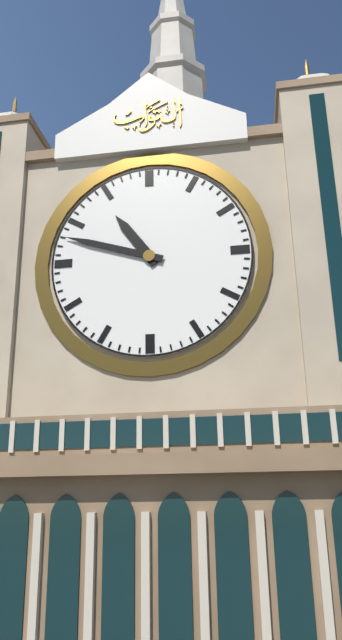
10:48
